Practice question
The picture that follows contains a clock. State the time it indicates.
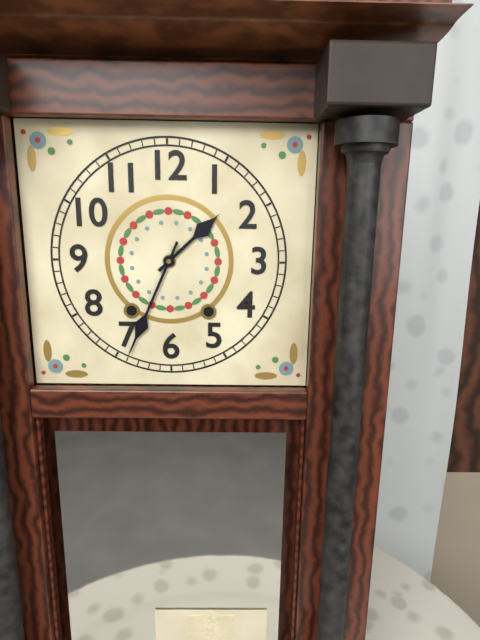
1:34
